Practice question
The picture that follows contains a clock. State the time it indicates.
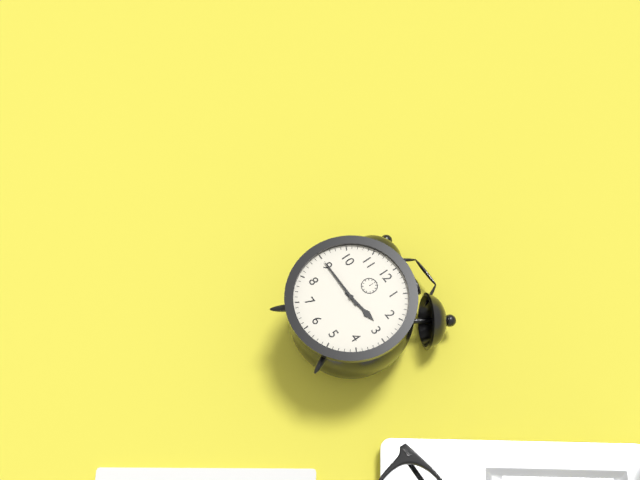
2:45
